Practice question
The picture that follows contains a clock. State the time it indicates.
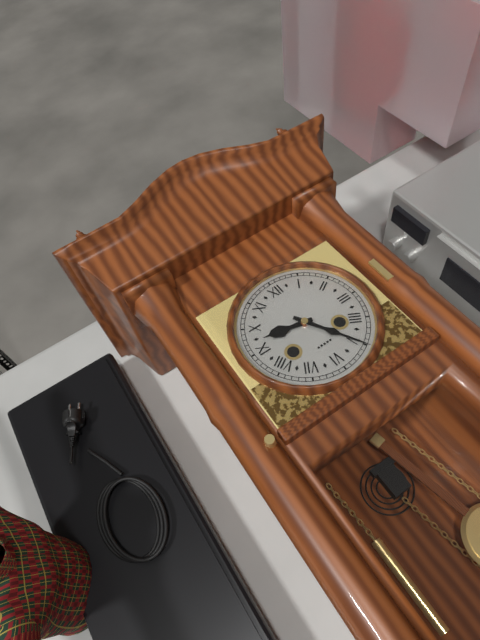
9:25
